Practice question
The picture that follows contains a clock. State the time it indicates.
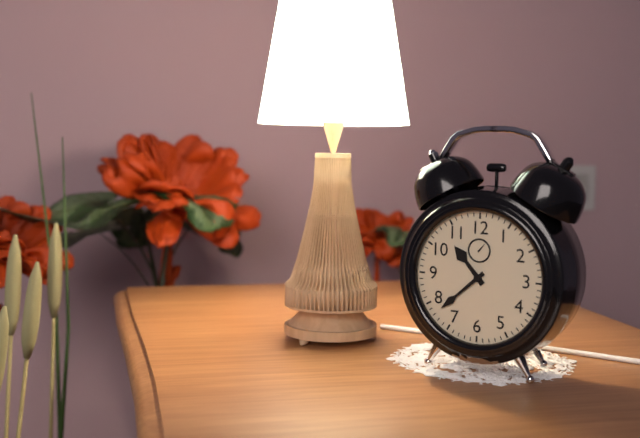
10:38
